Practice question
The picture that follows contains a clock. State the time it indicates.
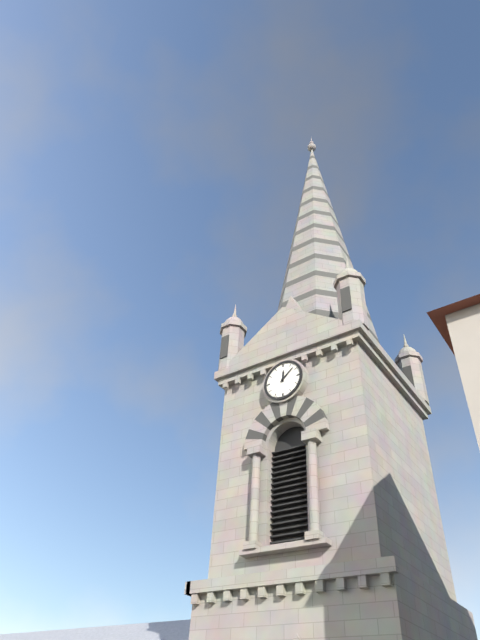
12:08
